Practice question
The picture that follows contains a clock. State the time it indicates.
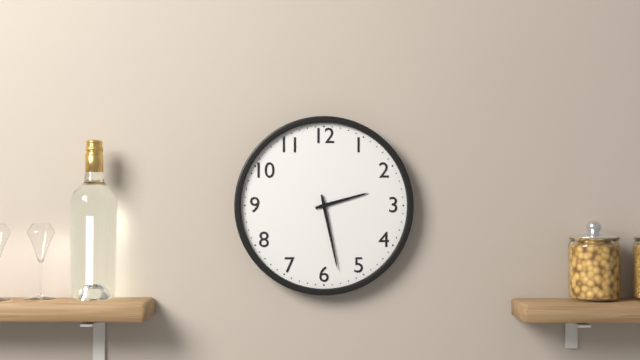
2:28
